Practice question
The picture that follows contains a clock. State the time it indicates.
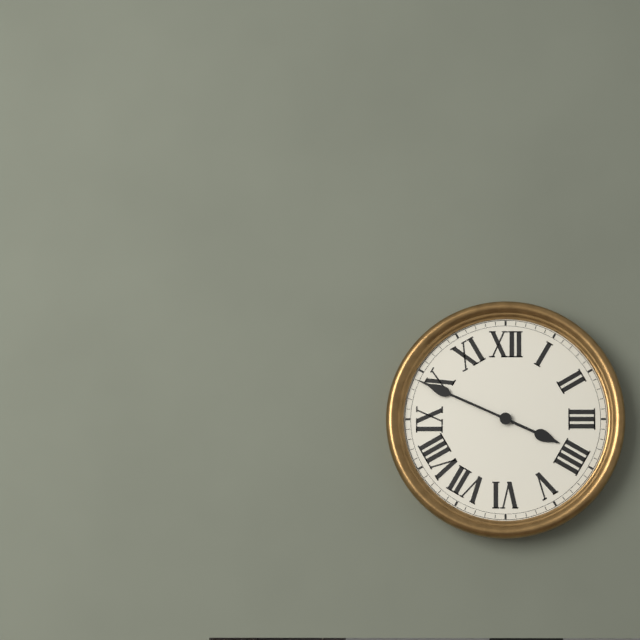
3:49
